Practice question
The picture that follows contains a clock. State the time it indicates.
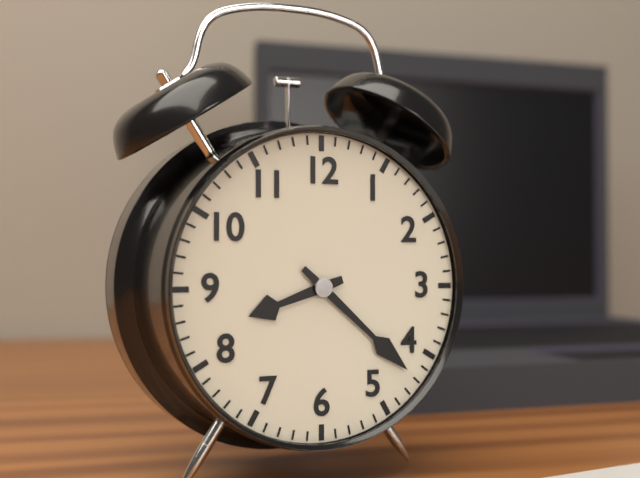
8:22
